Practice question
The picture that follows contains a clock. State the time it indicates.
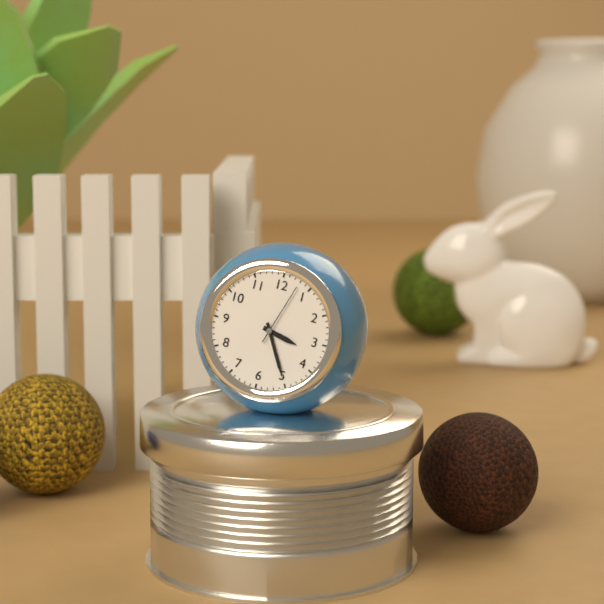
3:25:03
